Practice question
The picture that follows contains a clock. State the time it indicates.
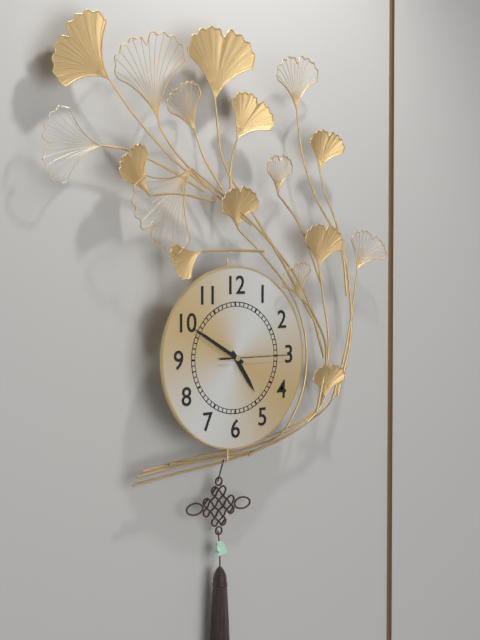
4:50:15
